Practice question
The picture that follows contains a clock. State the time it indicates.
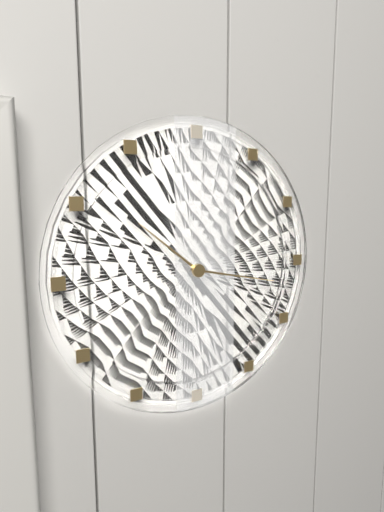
10:17
